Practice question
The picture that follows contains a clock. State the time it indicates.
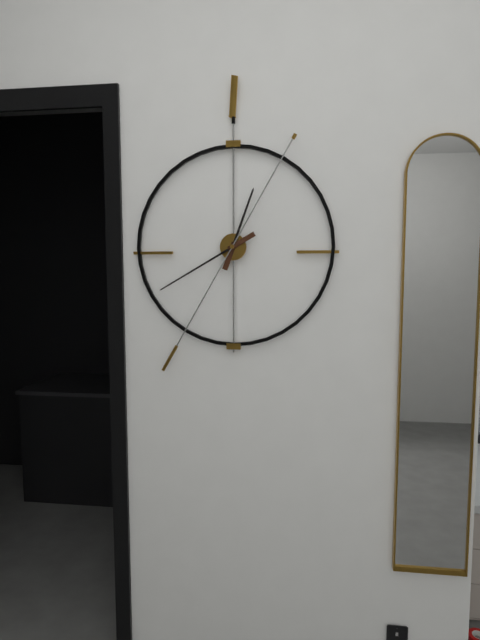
12:40:35
